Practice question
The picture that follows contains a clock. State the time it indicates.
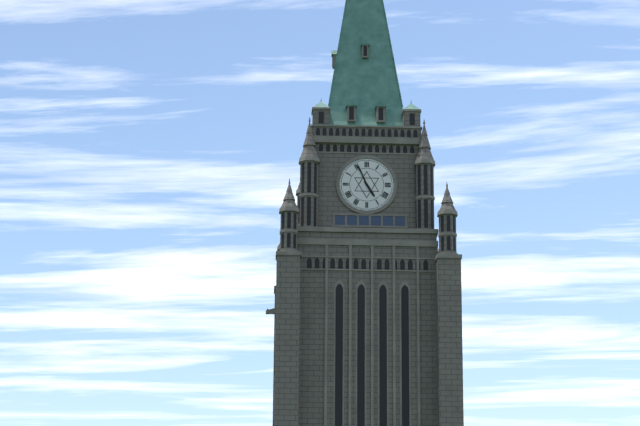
4:56
